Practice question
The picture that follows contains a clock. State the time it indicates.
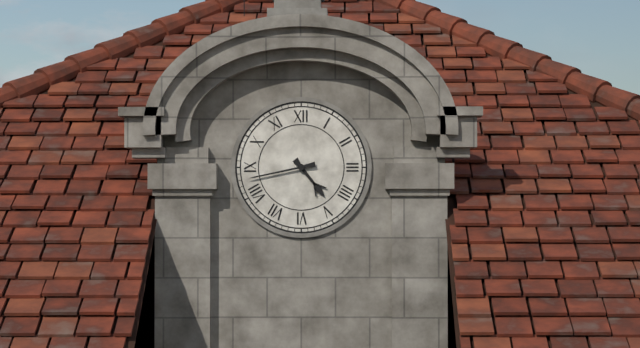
4:43
